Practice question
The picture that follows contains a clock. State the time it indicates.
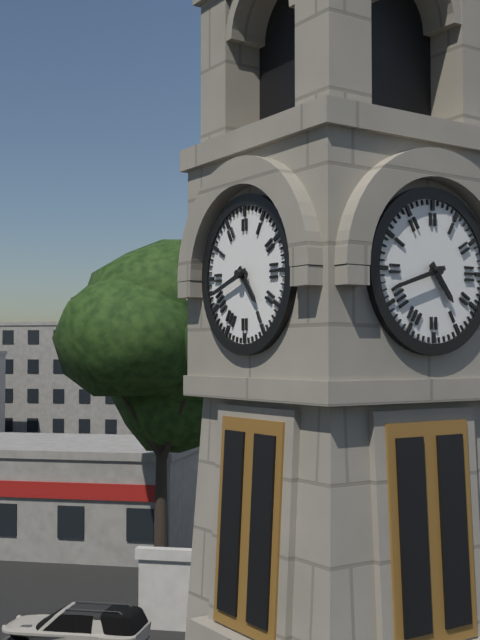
4:42
